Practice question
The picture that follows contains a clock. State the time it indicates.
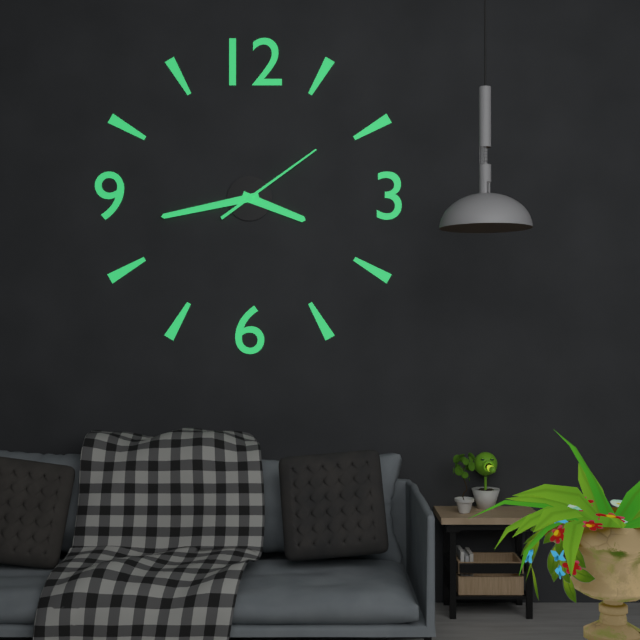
3:43:09
